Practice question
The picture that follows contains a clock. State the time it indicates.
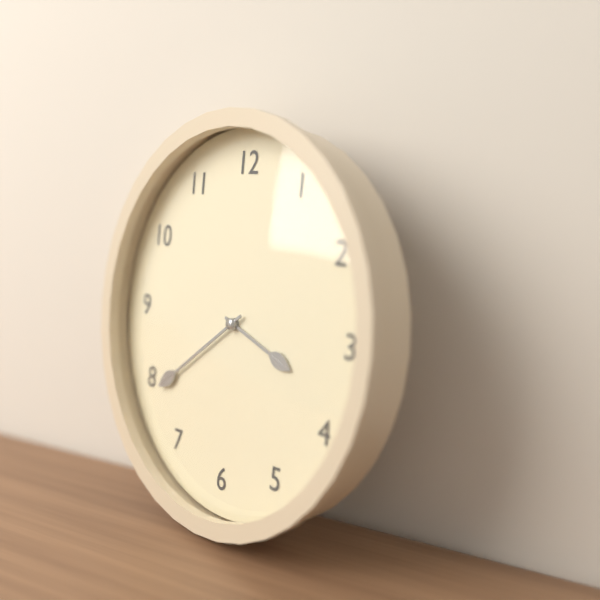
3:39
